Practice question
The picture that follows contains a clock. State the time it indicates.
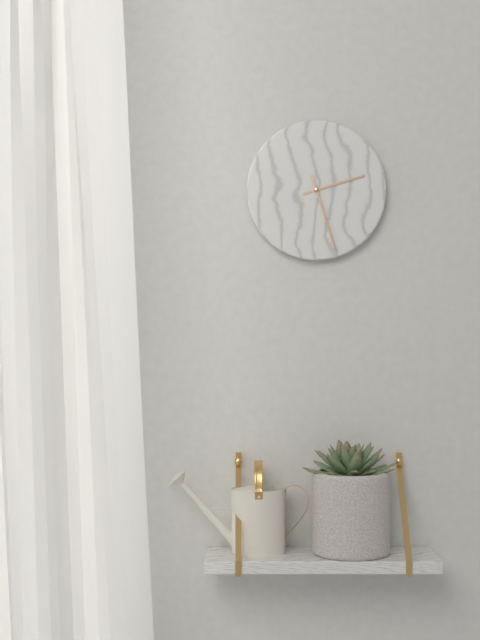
2:27
